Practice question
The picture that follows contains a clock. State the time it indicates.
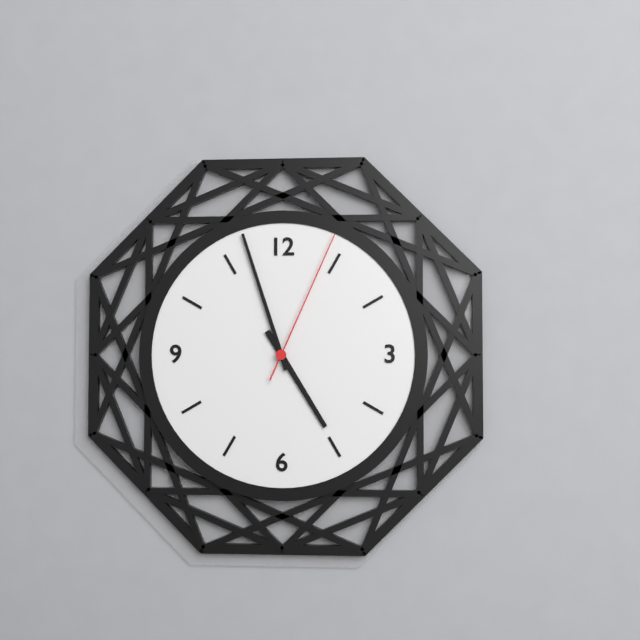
4:57:04
